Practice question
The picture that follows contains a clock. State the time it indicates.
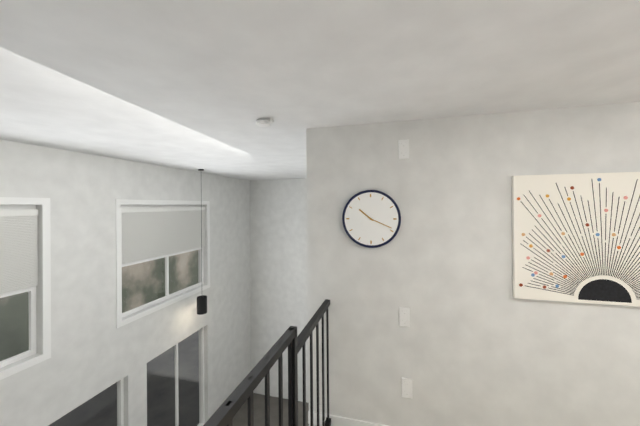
10:19
